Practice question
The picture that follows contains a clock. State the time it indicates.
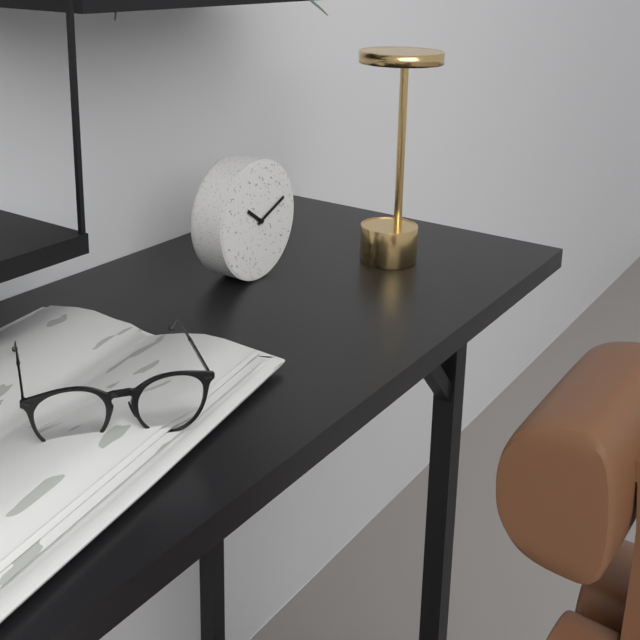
10:11
